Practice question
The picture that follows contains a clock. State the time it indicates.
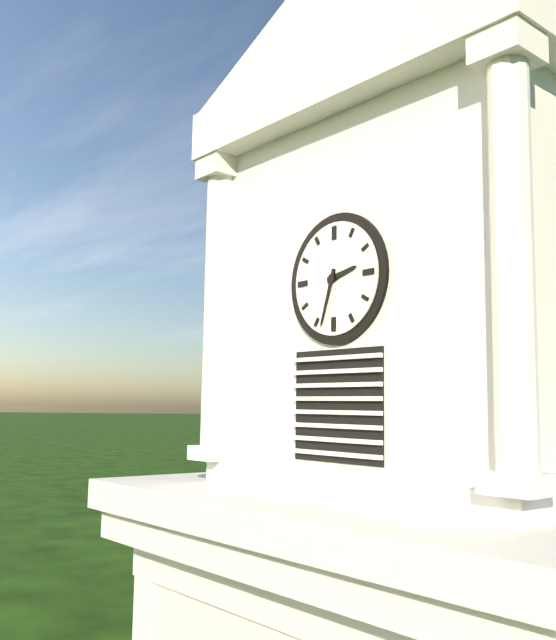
2:33
